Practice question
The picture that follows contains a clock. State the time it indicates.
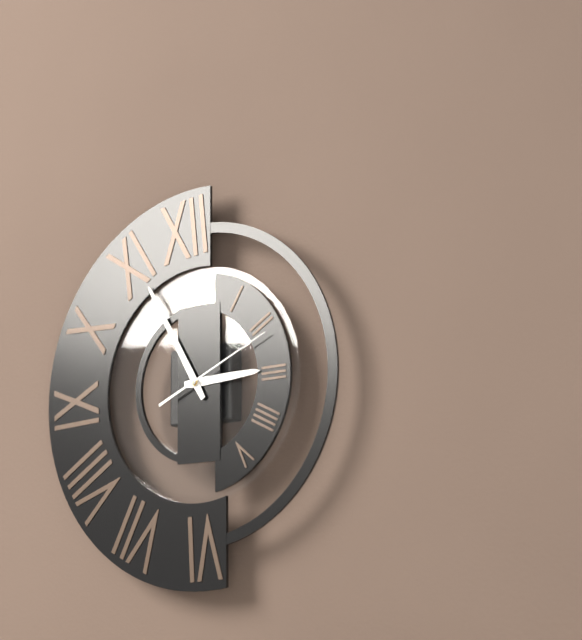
2:55:11
